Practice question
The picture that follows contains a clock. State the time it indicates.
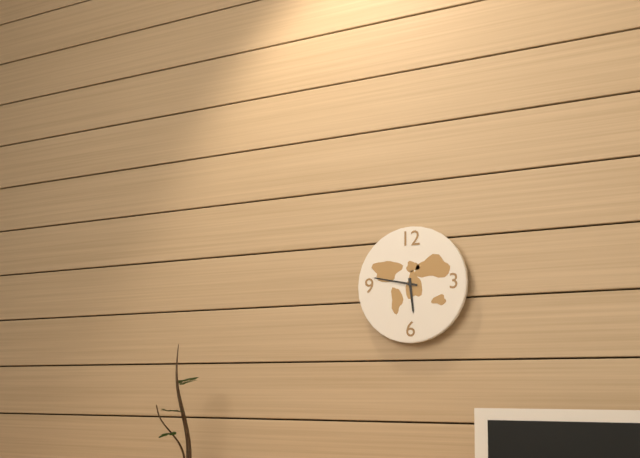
5:47
